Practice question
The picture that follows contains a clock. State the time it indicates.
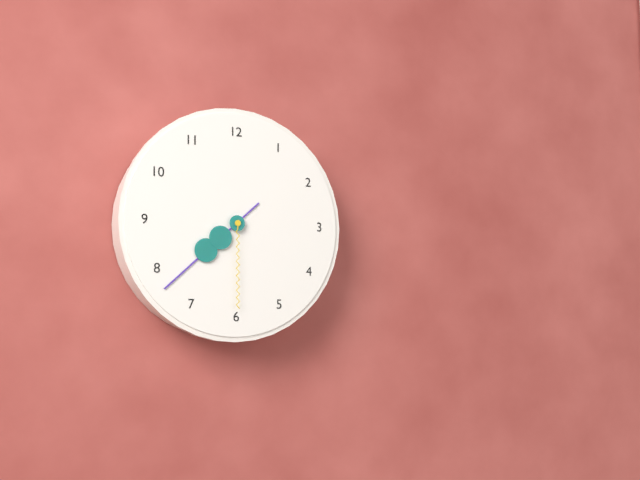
7:38:30
